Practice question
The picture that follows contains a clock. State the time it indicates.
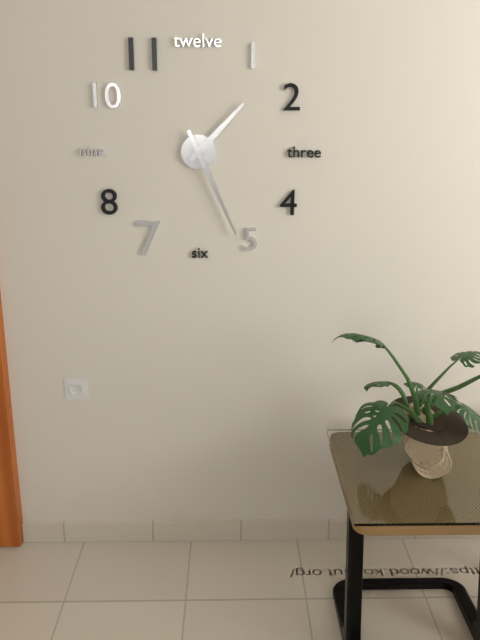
1:26
